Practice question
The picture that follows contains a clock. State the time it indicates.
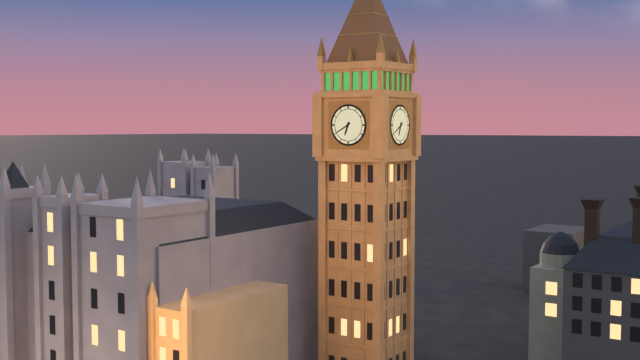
6:40
